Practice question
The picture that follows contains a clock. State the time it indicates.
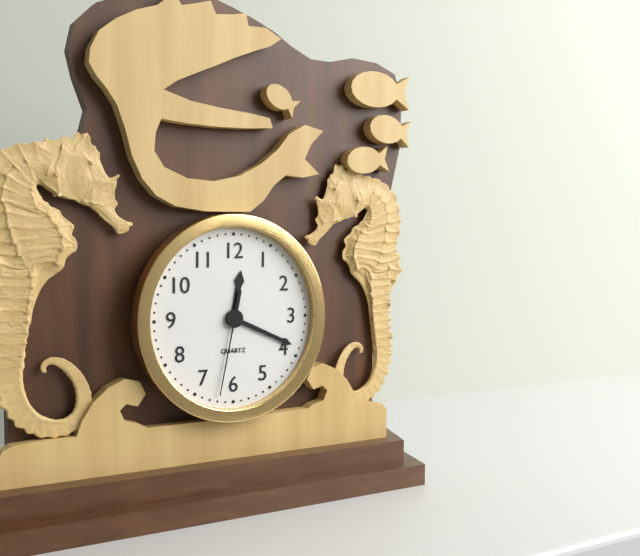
12:19:32
